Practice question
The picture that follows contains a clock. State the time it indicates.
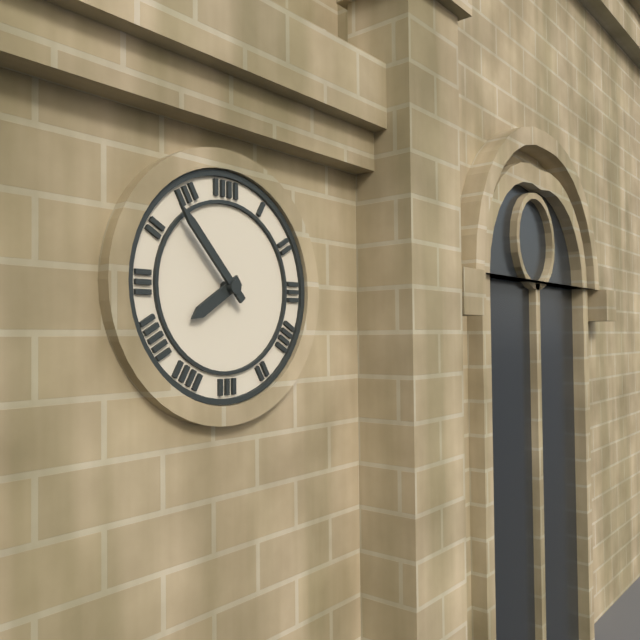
7:53
